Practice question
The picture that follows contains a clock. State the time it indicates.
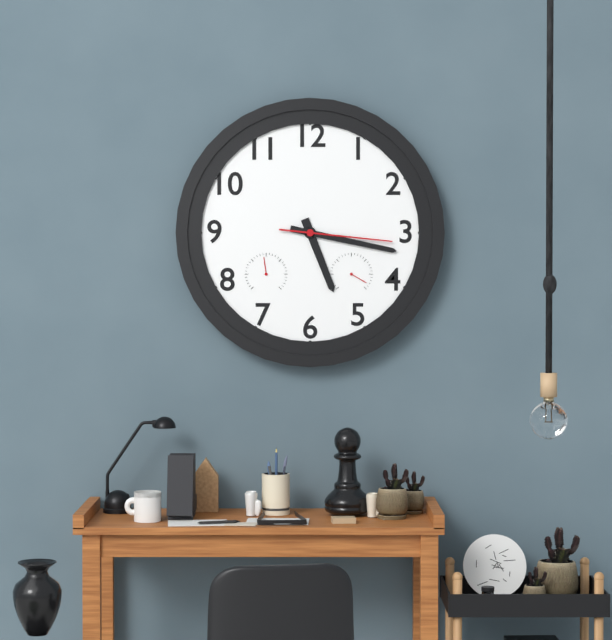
5:17:16
